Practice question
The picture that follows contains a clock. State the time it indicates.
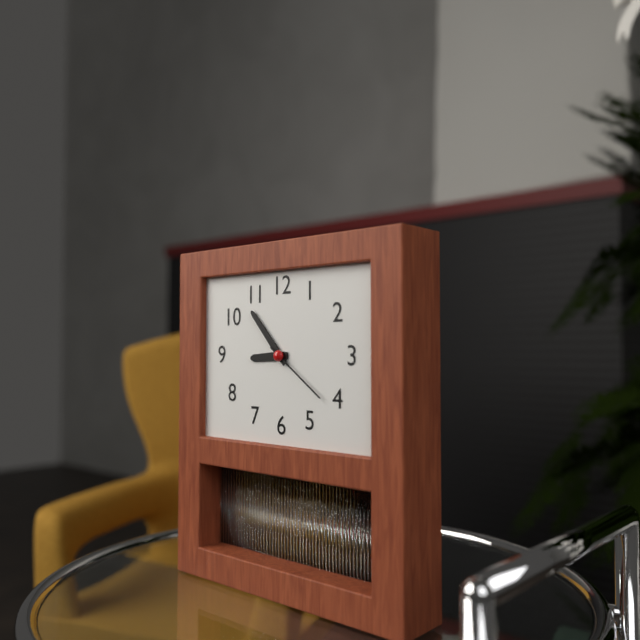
8:53:21
